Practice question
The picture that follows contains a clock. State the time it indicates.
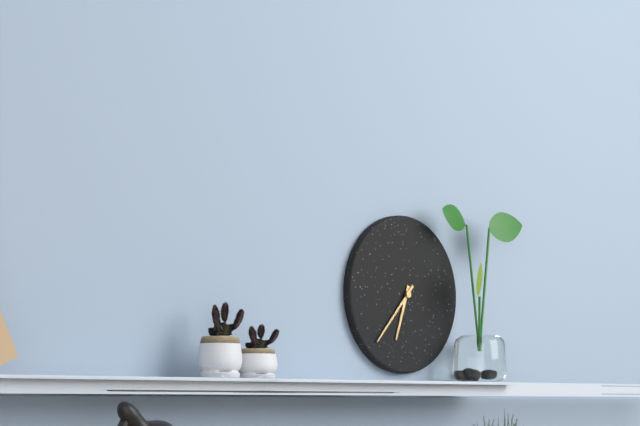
6:37
